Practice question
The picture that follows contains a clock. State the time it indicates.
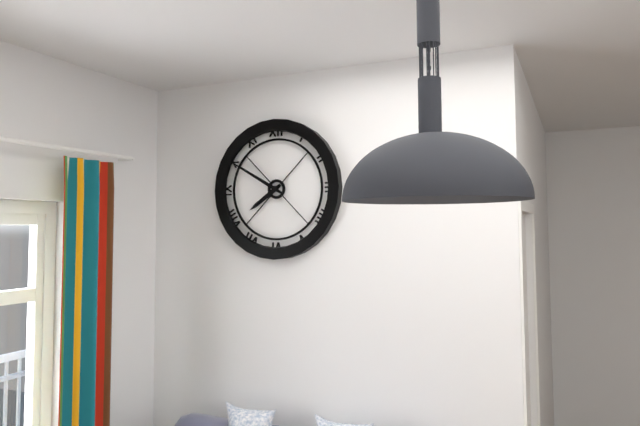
7:50
